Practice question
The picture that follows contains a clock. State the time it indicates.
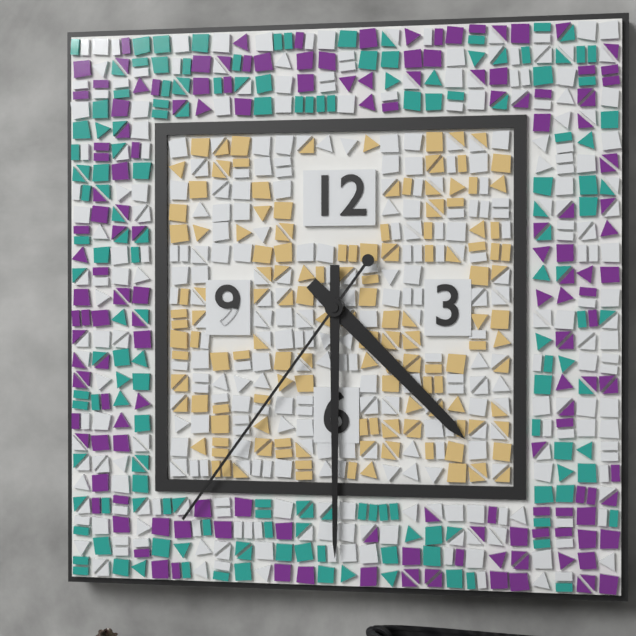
4:30:36
